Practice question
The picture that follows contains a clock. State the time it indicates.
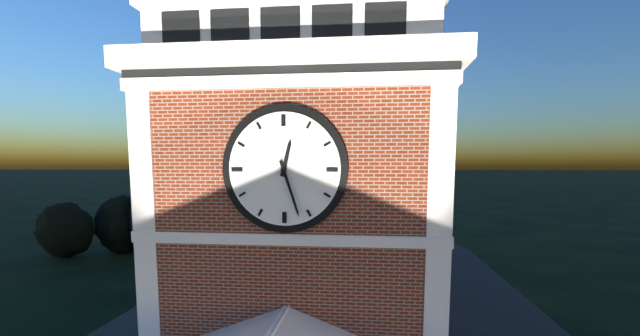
12:27
